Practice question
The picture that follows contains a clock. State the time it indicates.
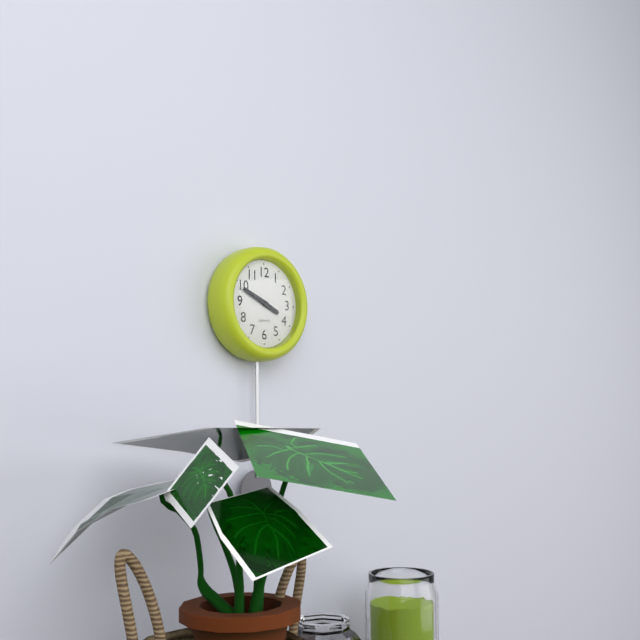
3:49
